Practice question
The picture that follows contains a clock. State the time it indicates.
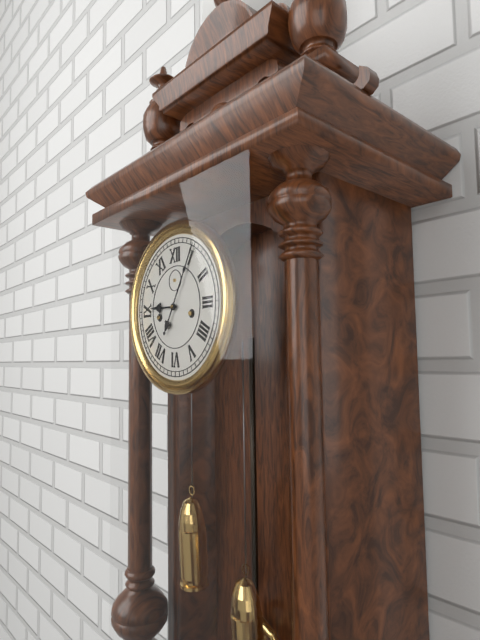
9:05
